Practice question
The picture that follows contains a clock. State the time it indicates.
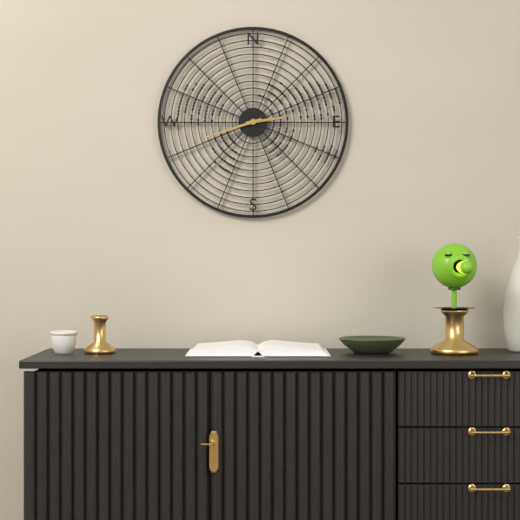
2:42
